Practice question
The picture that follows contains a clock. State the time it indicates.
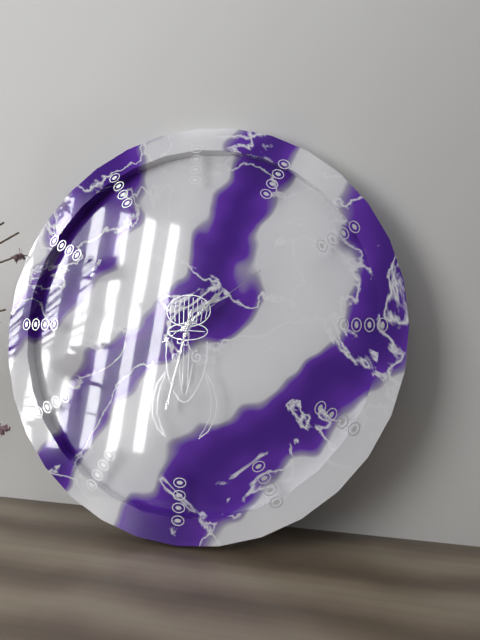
1:32:09
